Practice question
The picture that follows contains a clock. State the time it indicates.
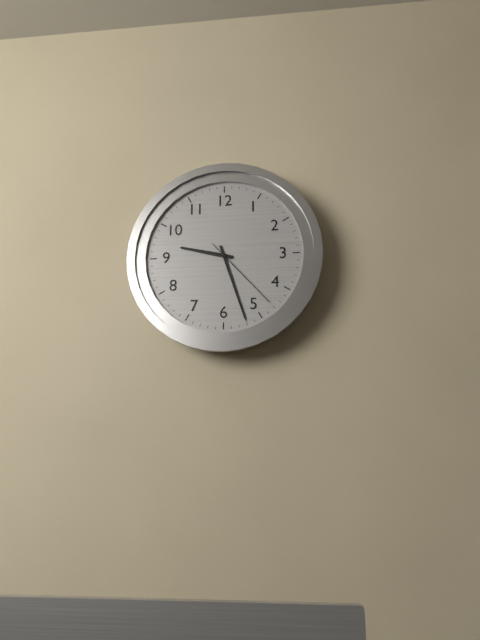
9:27:23
